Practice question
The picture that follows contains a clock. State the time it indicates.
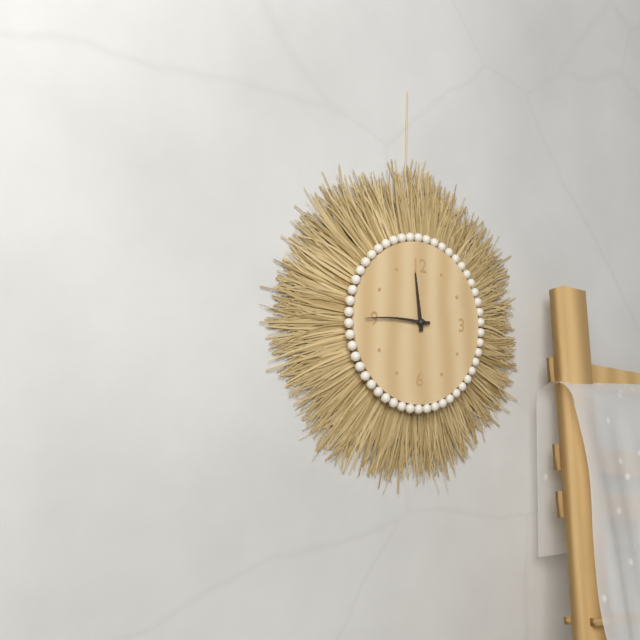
11:45
